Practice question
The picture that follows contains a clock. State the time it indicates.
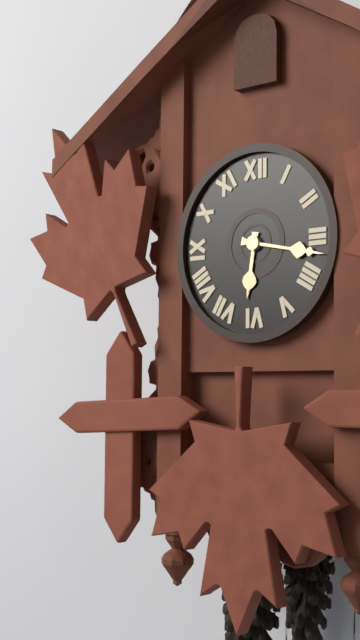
6:17
